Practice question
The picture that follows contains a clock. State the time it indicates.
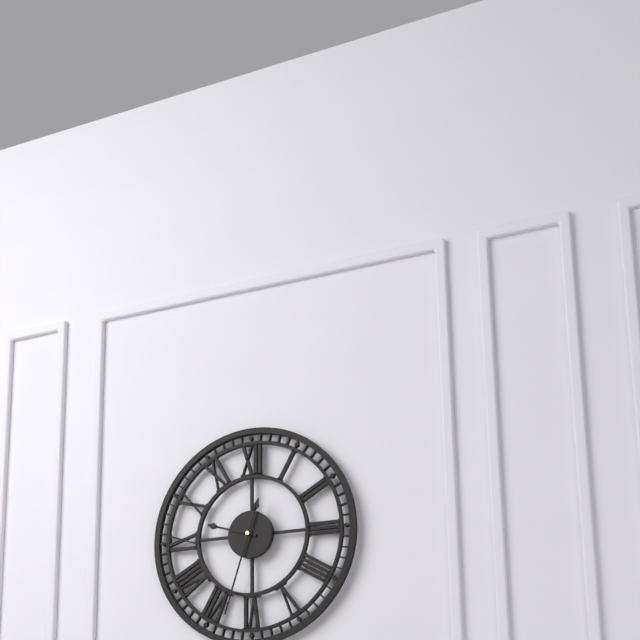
9:33
